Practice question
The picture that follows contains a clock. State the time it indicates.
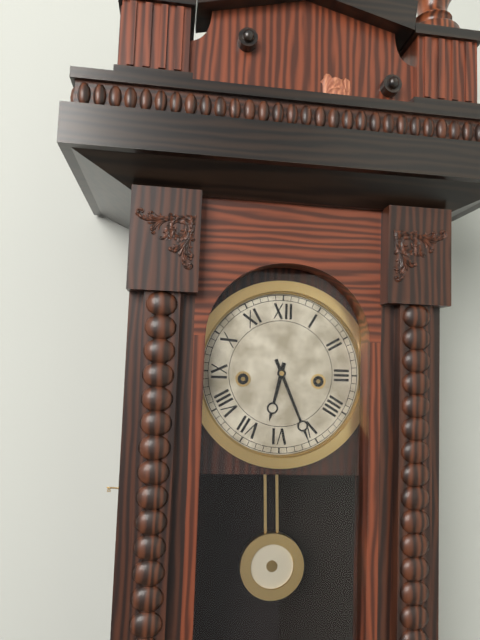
6:26
